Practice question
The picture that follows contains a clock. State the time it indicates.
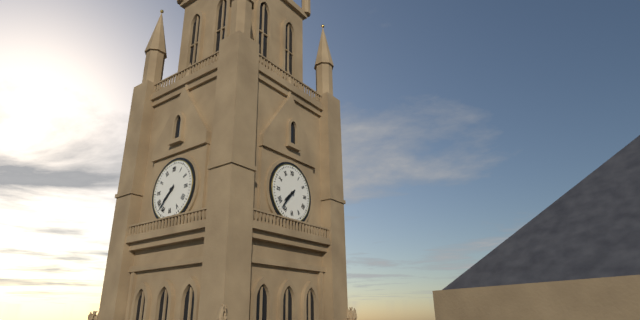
7:37
